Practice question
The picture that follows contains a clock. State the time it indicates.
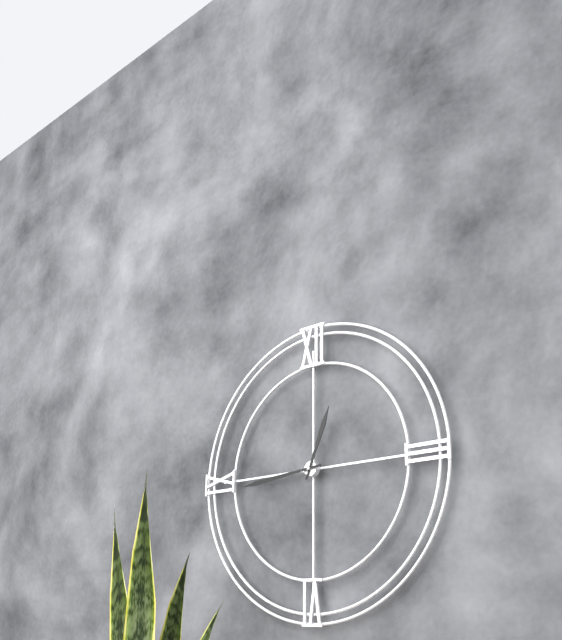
12:44
